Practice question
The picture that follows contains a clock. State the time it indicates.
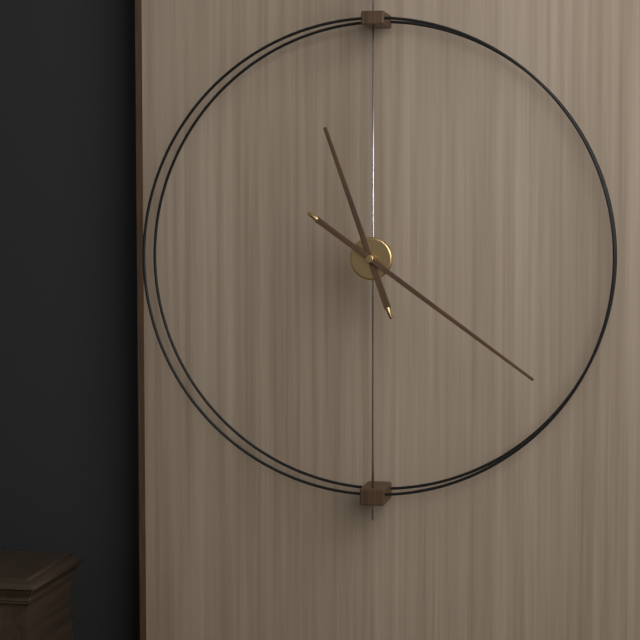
11:21
